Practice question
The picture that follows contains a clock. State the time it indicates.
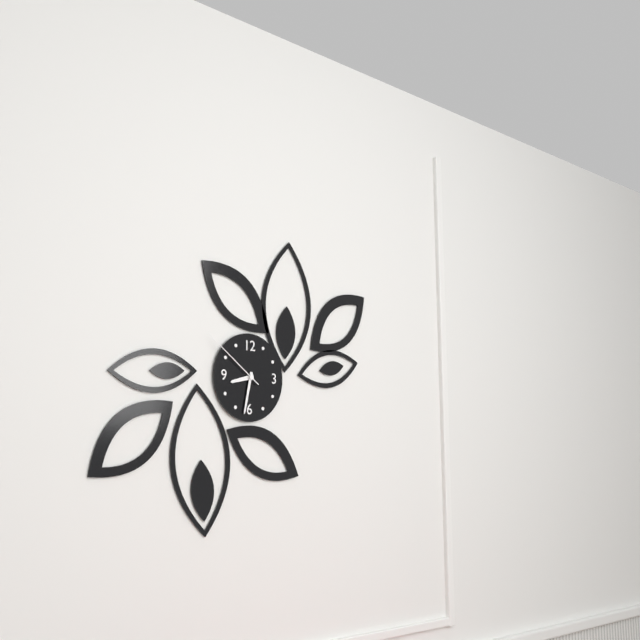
8:32:51
